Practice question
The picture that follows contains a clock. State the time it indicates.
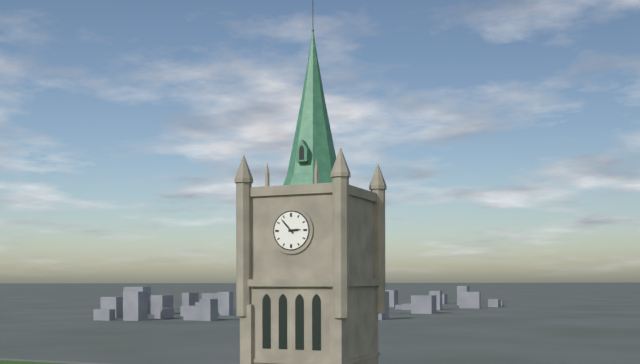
2:53
